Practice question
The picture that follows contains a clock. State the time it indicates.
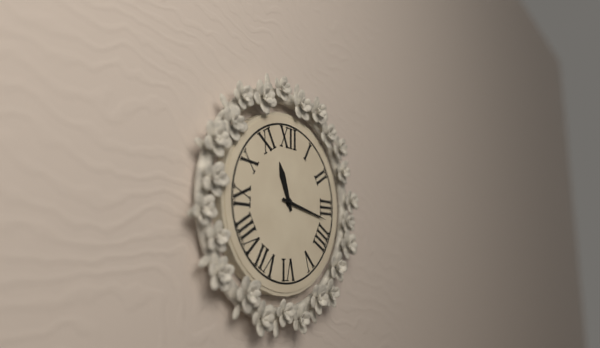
11:17
